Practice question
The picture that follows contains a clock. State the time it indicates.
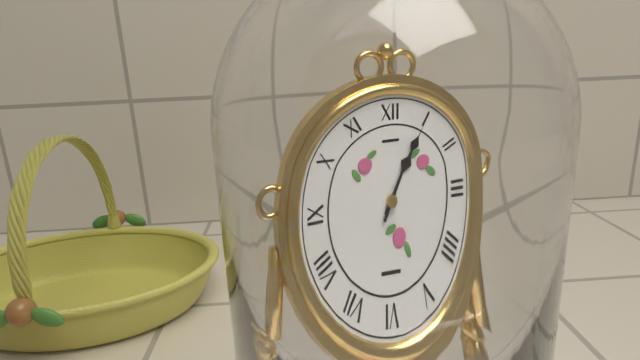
1:05
